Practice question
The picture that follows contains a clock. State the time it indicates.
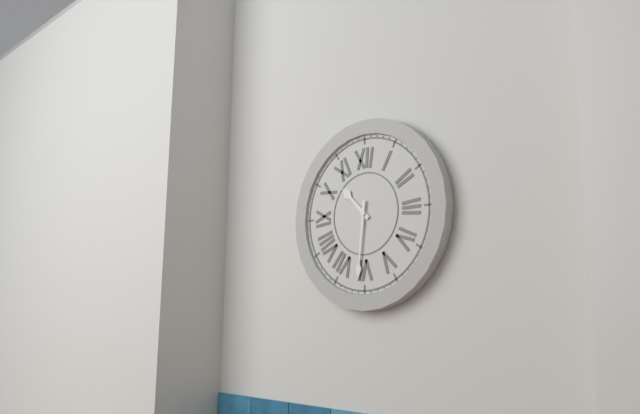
10:31
